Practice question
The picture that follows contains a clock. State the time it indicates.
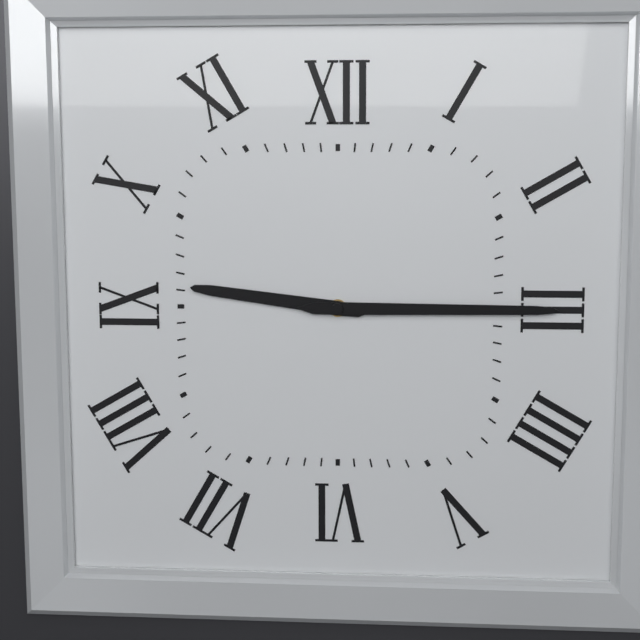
9:15
